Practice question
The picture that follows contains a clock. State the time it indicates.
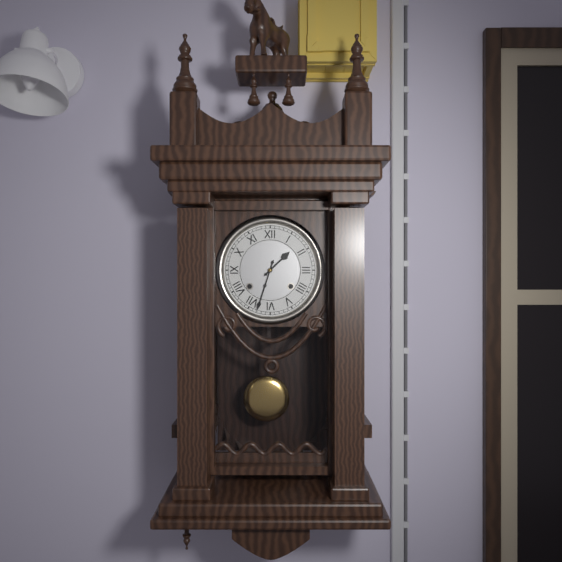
1:33
